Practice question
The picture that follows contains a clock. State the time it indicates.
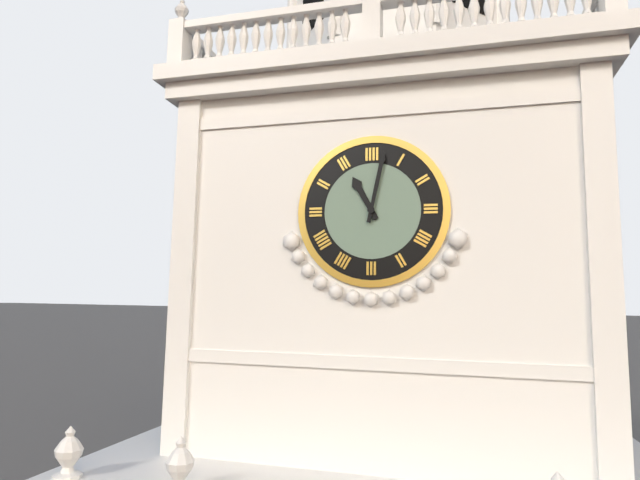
11:02
